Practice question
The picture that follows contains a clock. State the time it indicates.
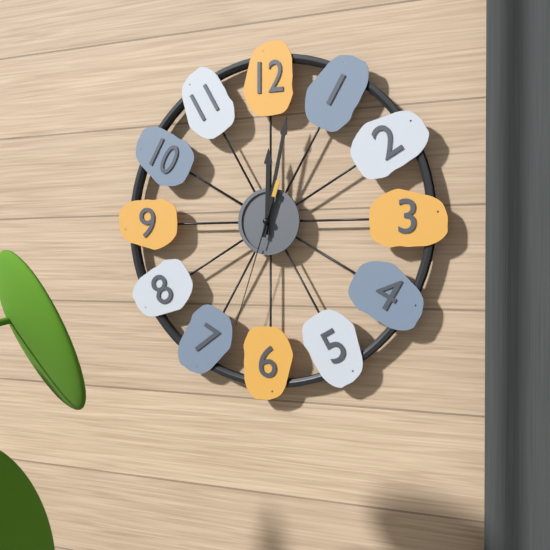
12:02:33
